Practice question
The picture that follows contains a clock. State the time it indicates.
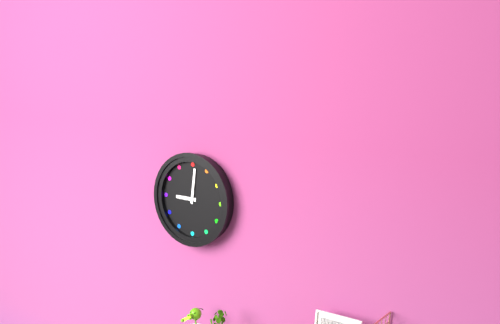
9:01
